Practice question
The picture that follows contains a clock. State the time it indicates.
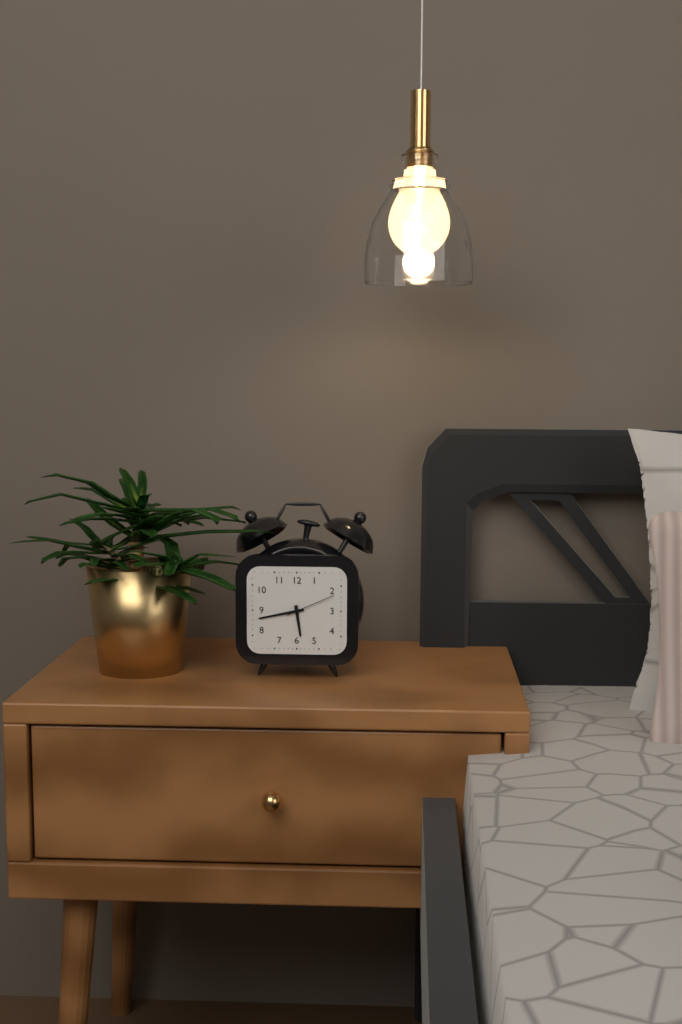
5:43
